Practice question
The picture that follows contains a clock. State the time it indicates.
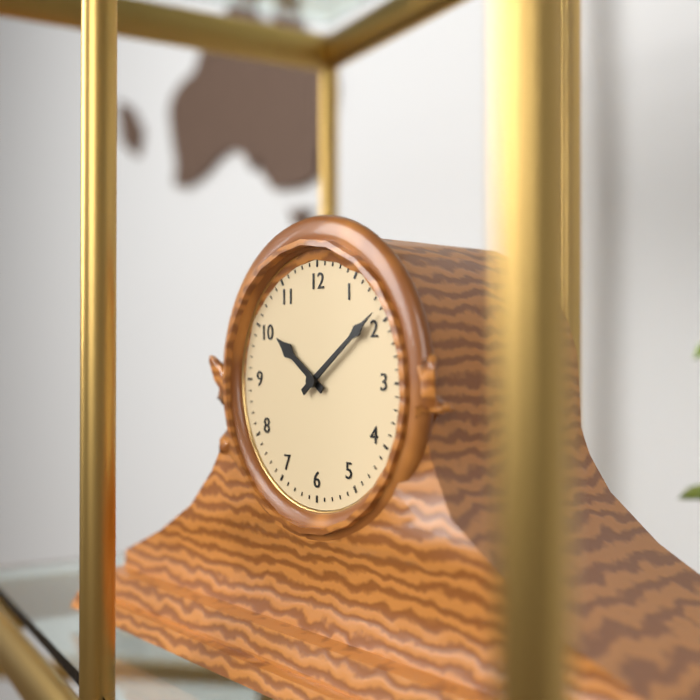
10:09
